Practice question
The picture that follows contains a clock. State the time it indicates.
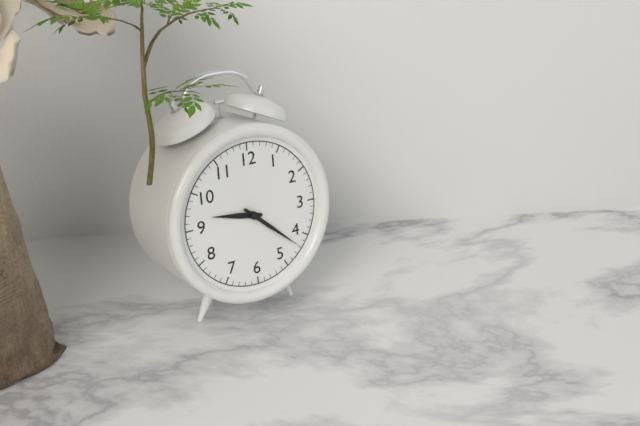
9:22
